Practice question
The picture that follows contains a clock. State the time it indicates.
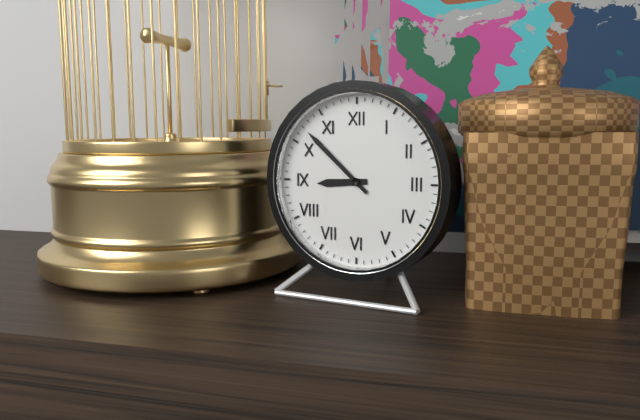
8:52
